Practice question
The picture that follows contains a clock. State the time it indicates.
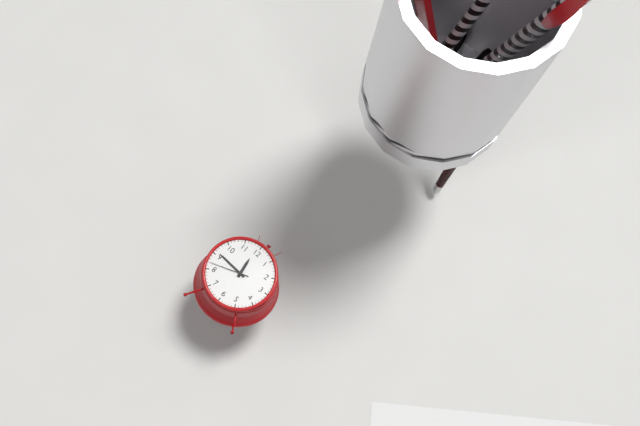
11:46
